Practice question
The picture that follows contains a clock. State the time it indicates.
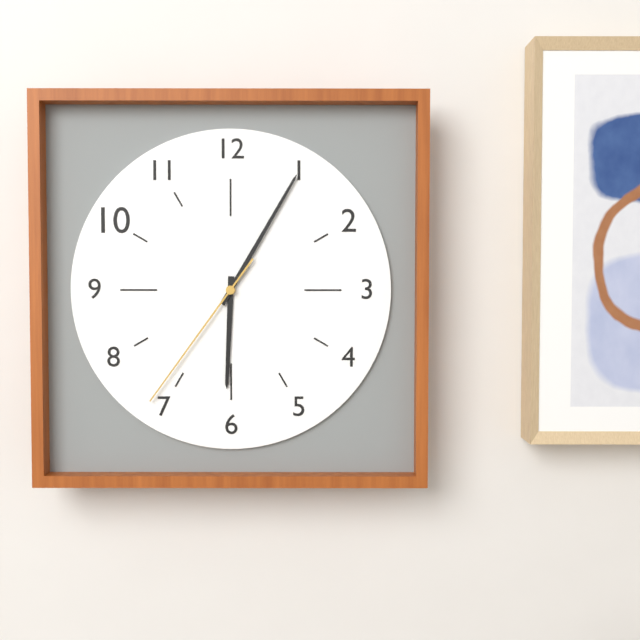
6:05:36
